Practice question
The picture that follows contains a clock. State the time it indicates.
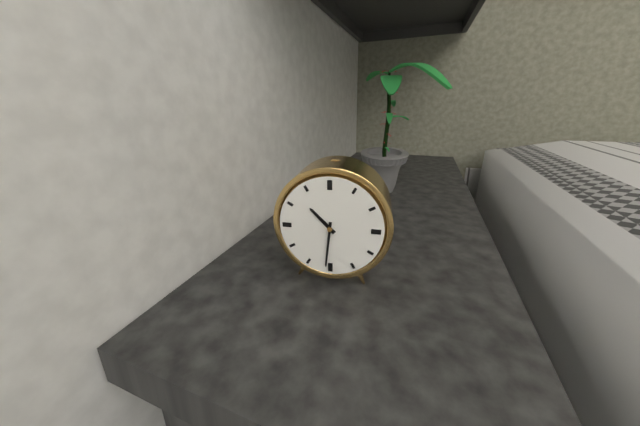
10:31
